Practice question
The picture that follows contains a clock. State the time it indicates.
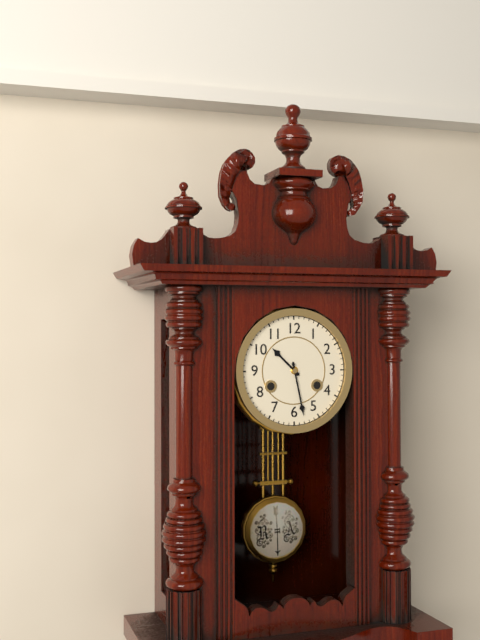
10:28
